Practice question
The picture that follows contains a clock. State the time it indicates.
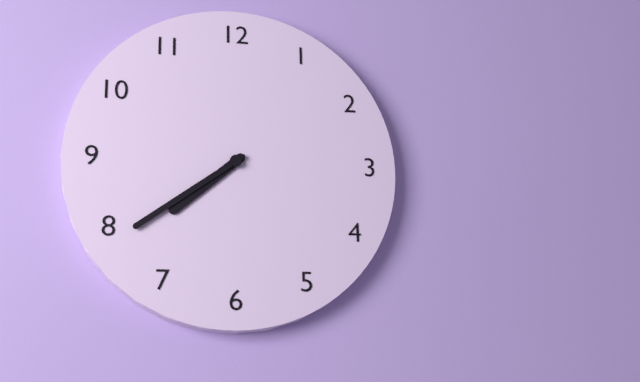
7:39
